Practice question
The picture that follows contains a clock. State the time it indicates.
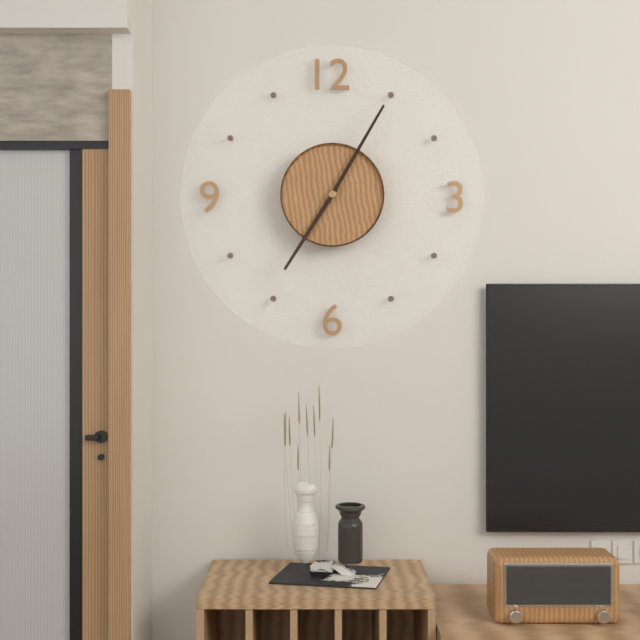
7:05
